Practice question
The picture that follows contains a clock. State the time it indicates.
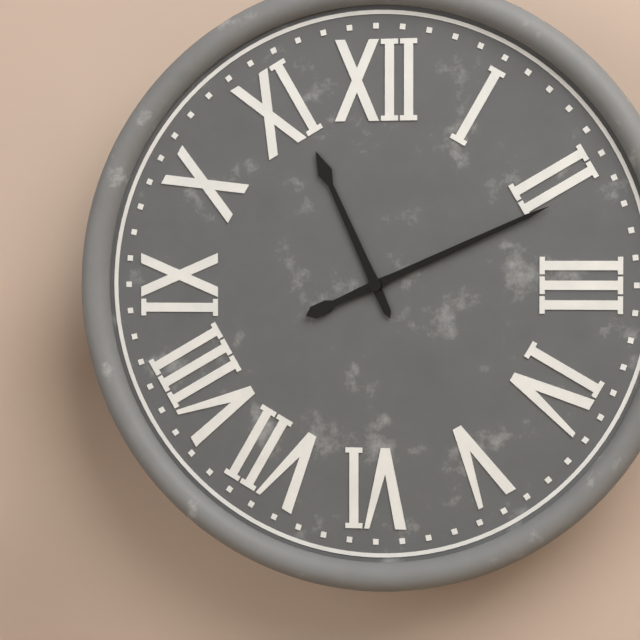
11:11
